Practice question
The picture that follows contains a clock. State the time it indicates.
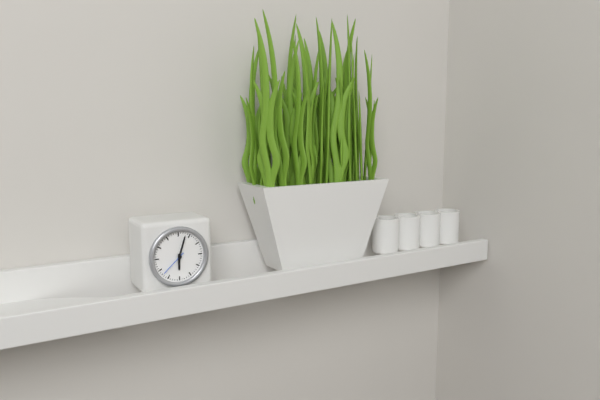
6:03
